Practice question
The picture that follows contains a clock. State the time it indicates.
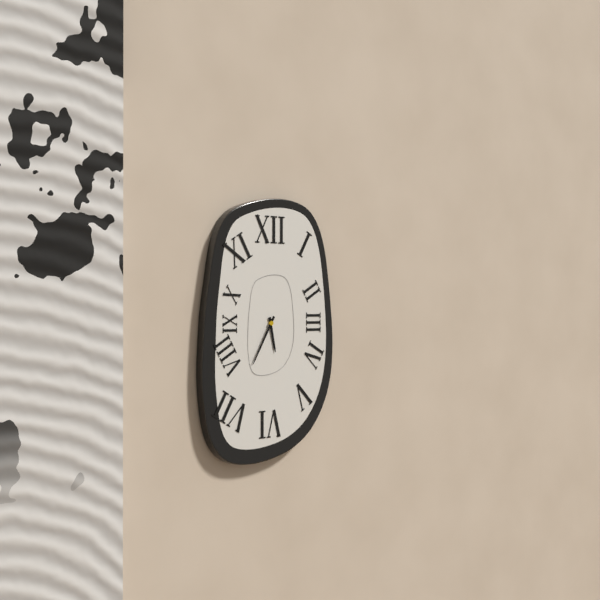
5:35
